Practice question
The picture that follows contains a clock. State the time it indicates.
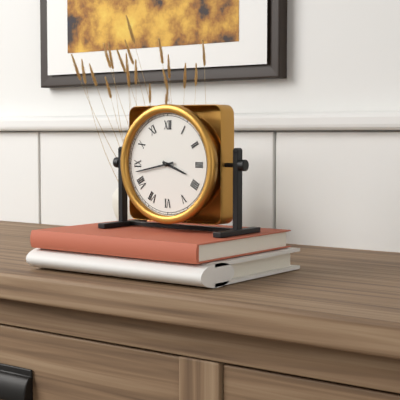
3:43
